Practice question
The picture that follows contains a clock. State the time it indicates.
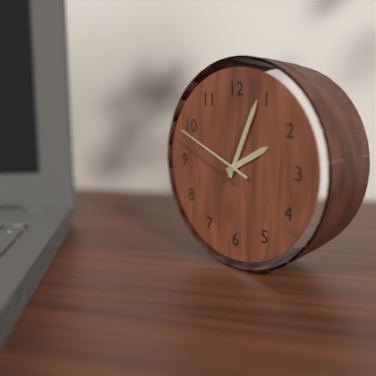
2:04:49
